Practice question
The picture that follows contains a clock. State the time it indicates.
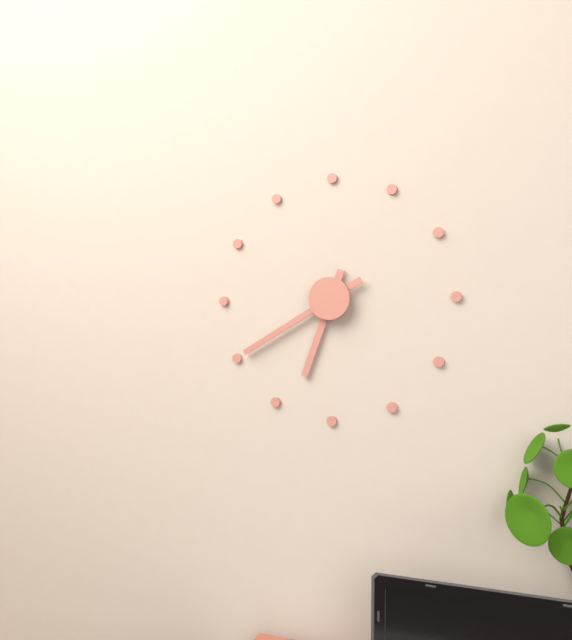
6:40
